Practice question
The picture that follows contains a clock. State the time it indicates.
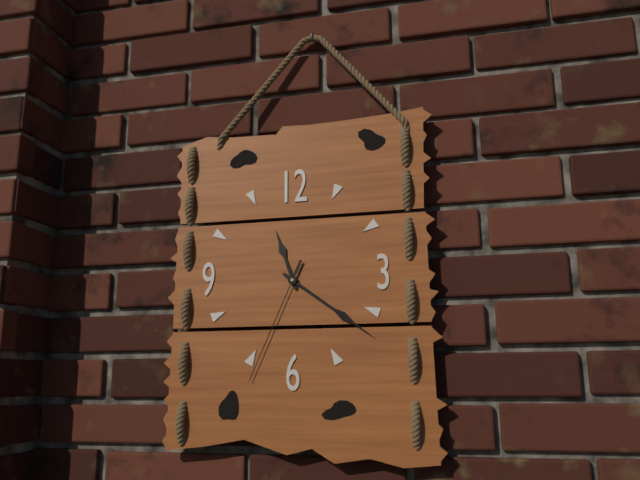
11:21:34
